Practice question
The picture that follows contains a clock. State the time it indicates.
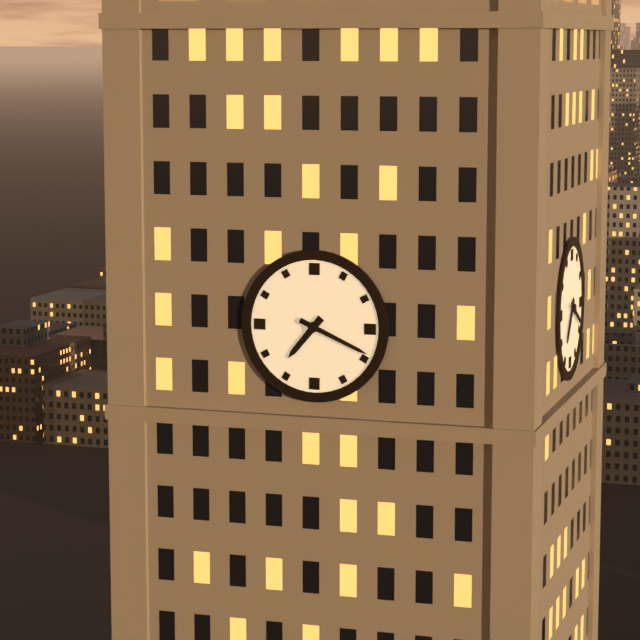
7:19
